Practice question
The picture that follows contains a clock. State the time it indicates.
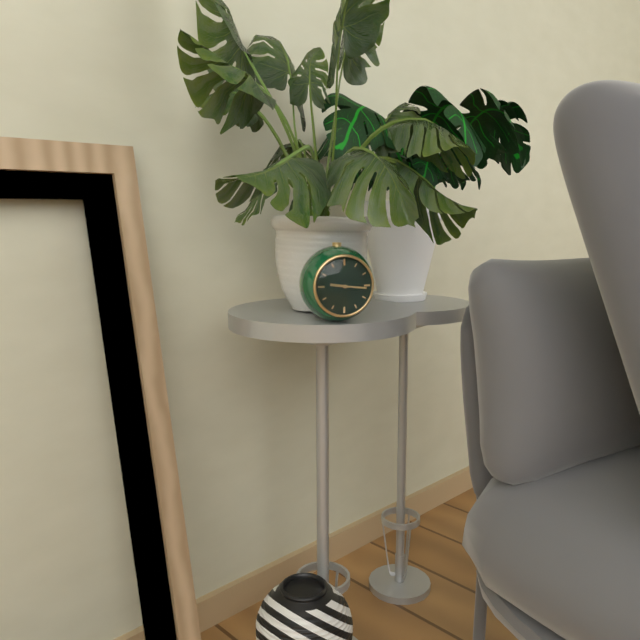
9:16
